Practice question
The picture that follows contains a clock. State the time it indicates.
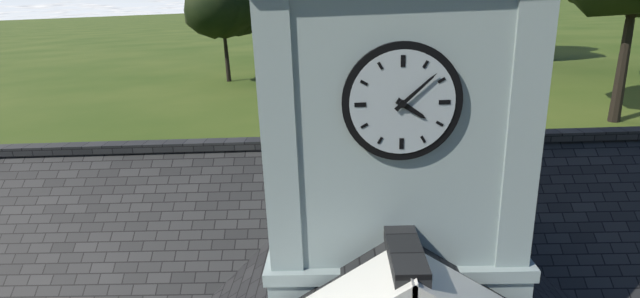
4:08
